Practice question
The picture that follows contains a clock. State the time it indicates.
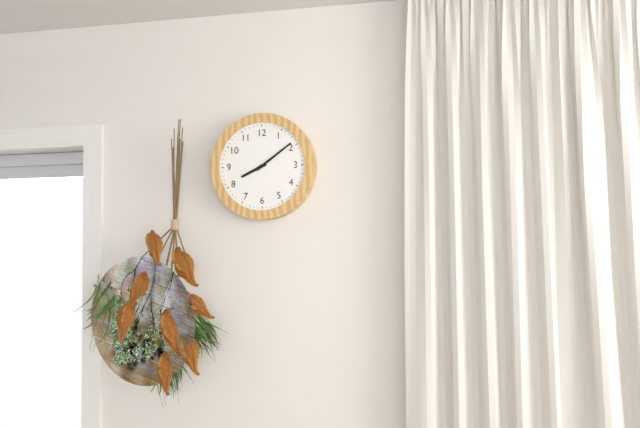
8:09
